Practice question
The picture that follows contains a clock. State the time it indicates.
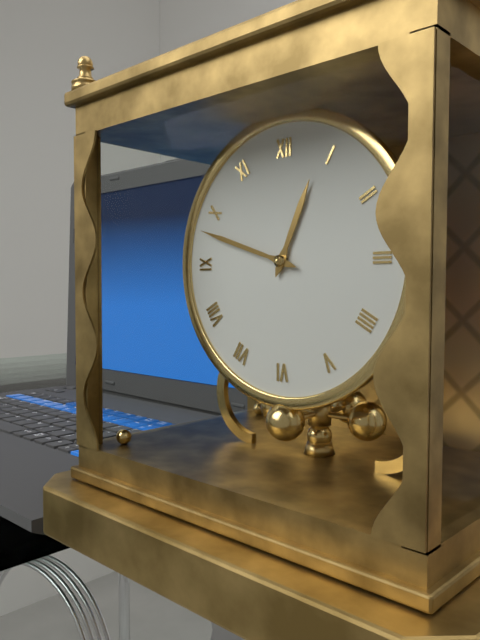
12:48
